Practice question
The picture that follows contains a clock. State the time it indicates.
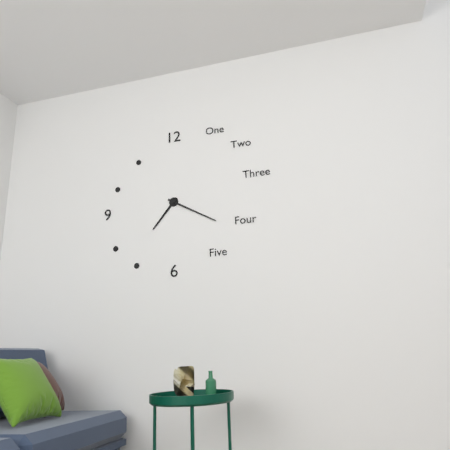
7:20
